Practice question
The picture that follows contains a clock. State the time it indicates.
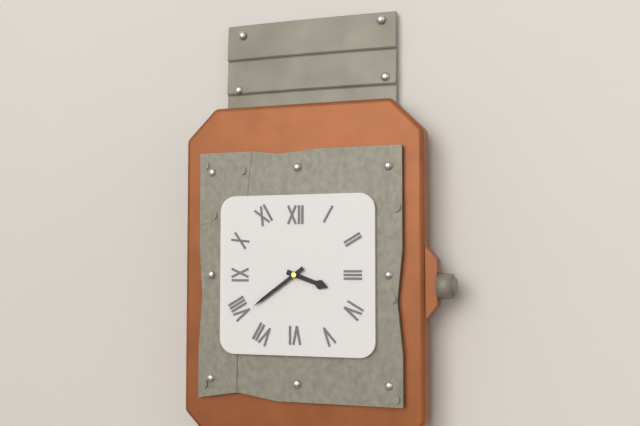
3:39
